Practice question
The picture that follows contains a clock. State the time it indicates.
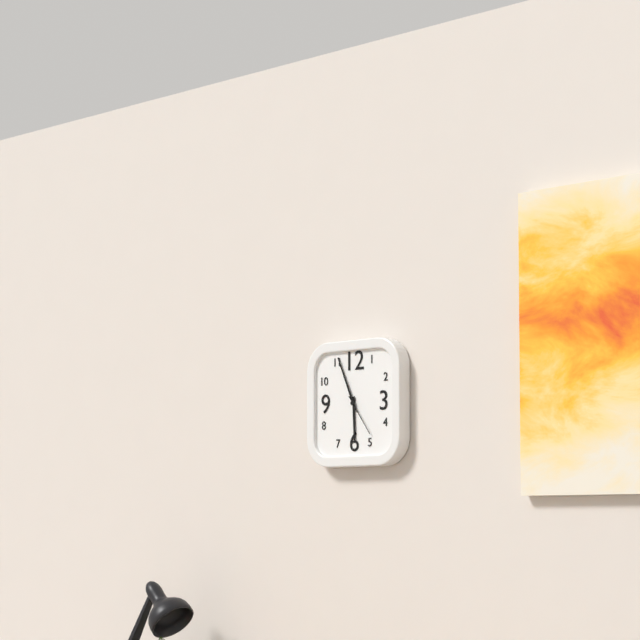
5:56
